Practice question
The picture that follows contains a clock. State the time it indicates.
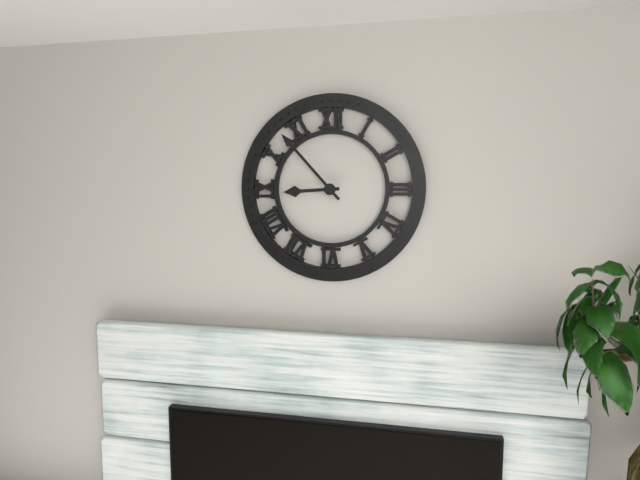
8:53
